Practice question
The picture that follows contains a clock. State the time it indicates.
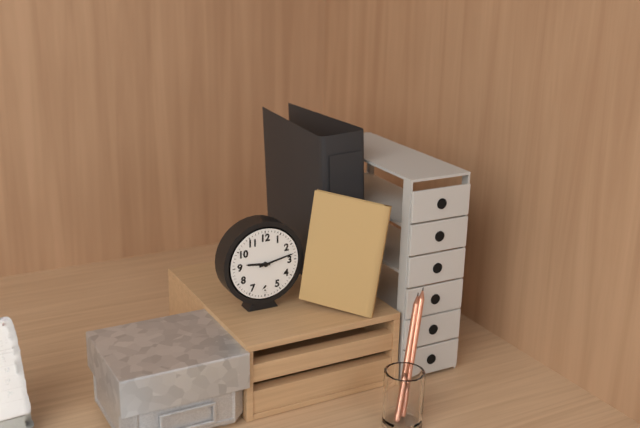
9:13
